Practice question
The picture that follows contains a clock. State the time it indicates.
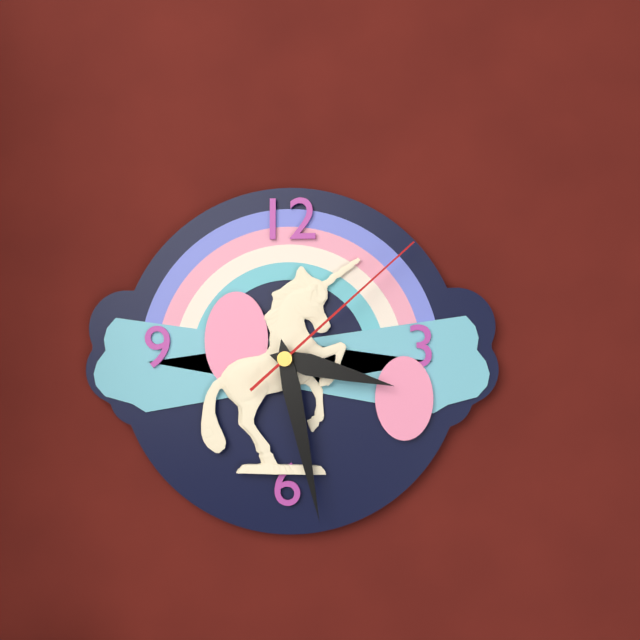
3:28:08
